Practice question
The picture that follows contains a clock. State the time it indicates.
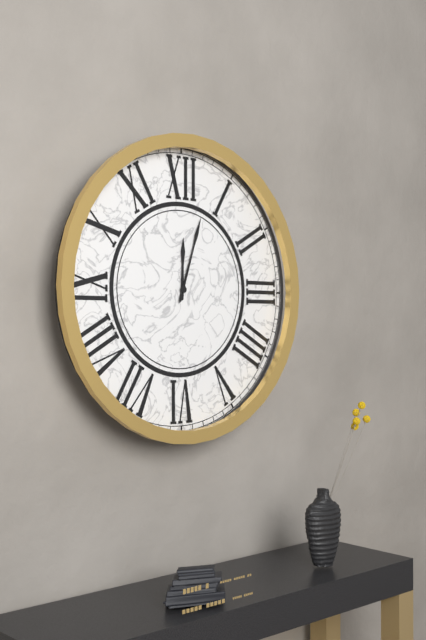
12:03
